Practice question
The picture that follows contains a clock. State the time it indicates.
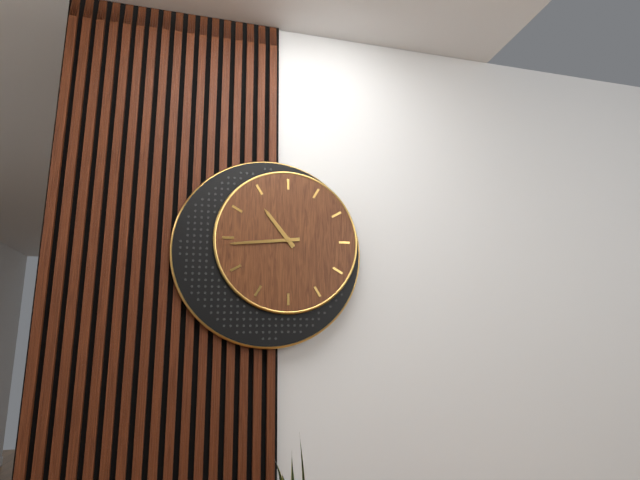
10:44
